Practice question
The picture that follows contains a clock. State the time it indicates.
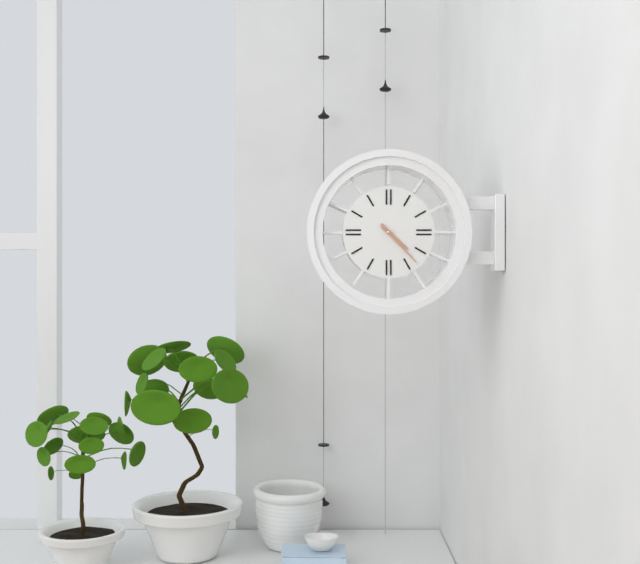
4:23
